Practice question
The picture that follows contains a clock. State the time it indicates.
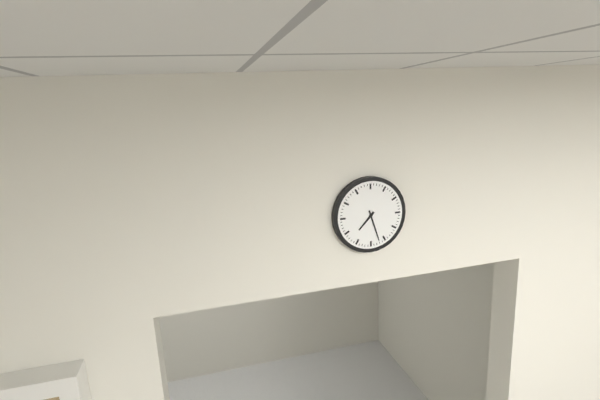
7:27
